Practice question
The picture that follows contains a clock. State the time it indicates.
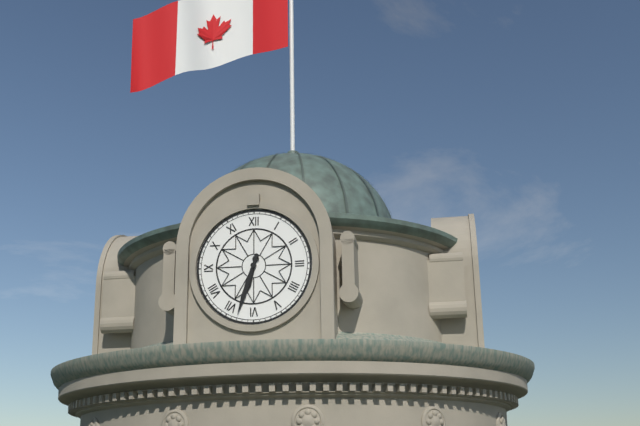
6:33
